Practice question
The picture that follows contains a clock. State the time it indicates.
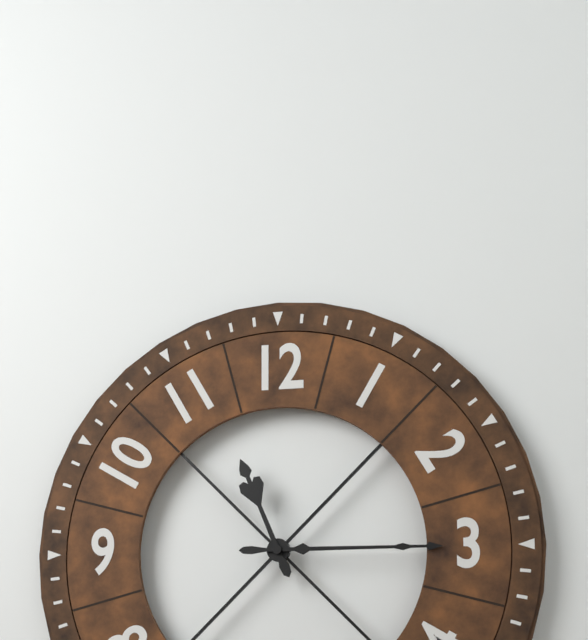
11:15
